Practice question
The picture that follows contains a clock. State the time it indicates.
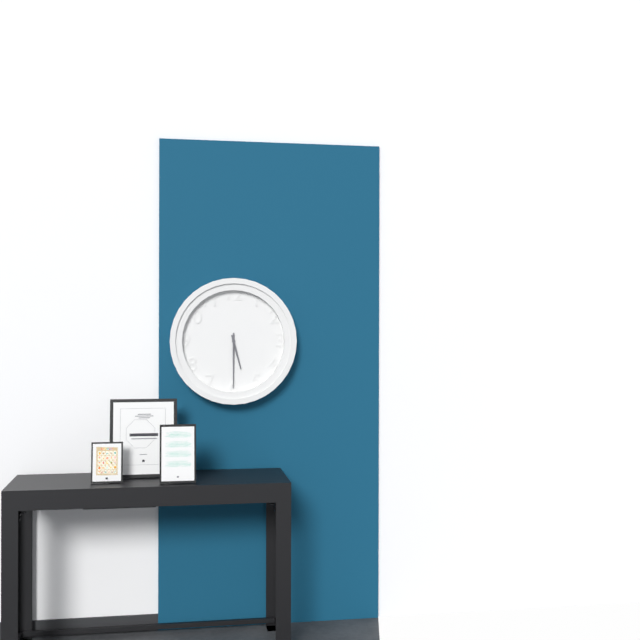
5:30
